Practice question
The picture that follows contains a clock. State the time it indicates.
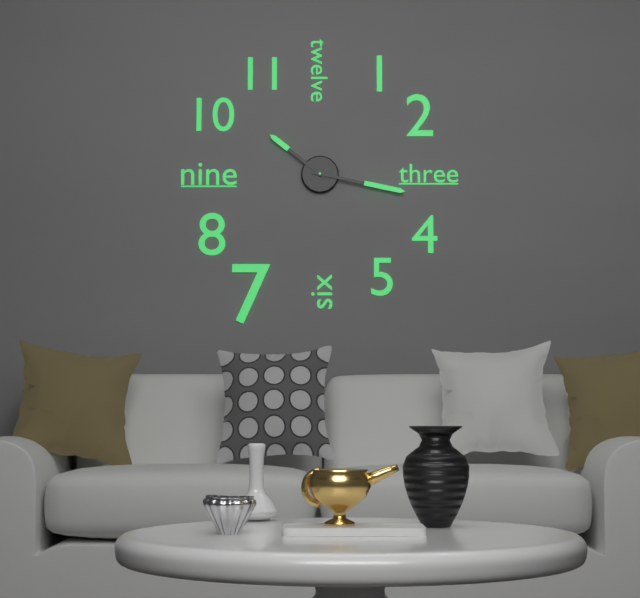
10:17
